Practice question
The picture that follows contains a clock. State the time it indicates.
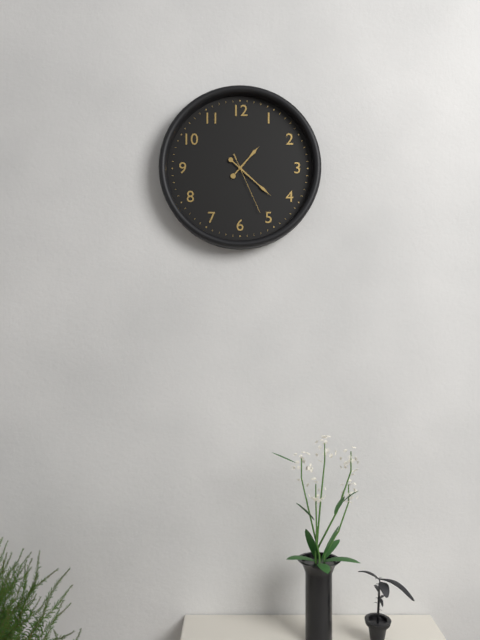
1:22:26
